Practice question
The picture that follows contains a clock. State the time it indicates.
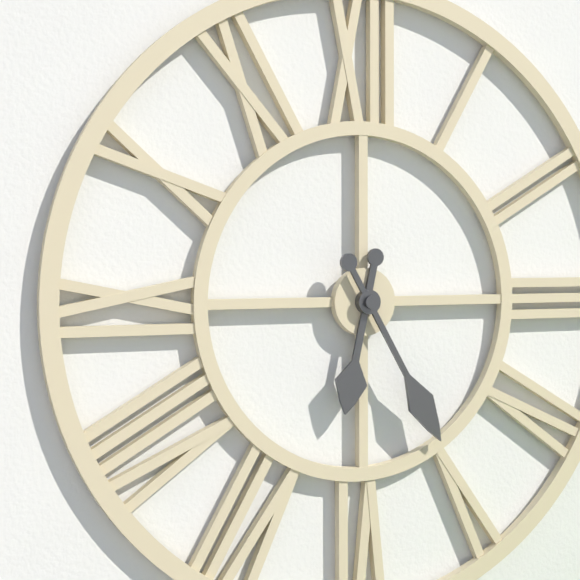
6:25
